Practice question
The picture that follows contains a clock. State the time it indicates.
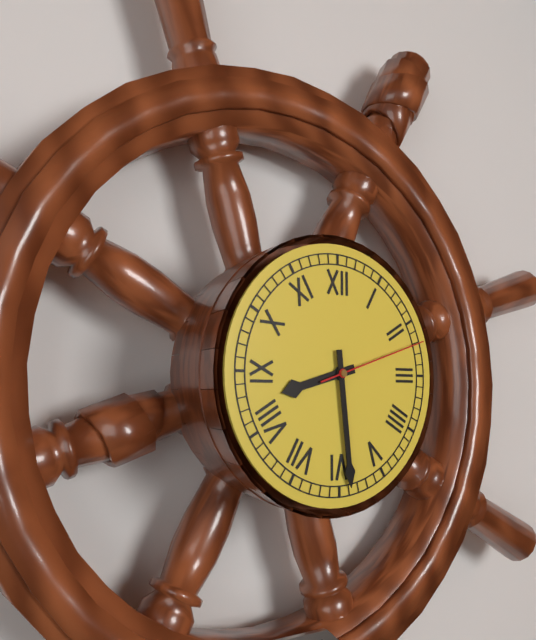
8:29:12
